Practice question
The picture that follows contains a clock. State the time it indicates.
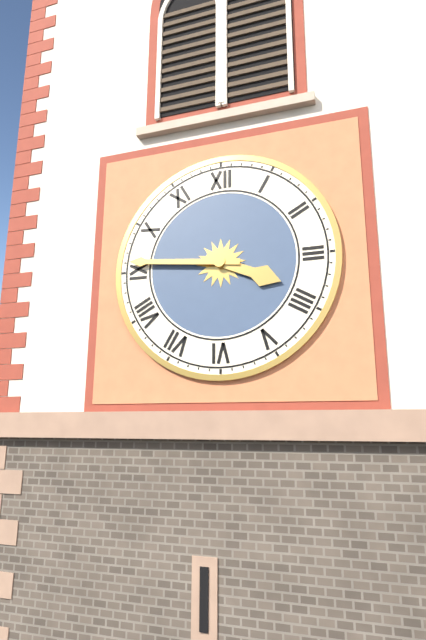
3:46
